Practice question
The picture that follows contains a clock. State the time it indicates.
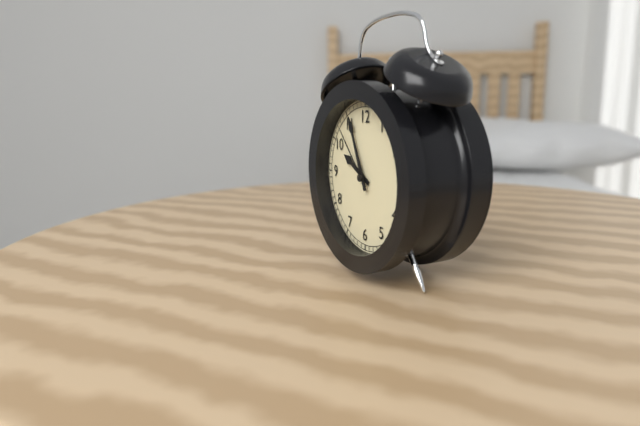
9:56:53
